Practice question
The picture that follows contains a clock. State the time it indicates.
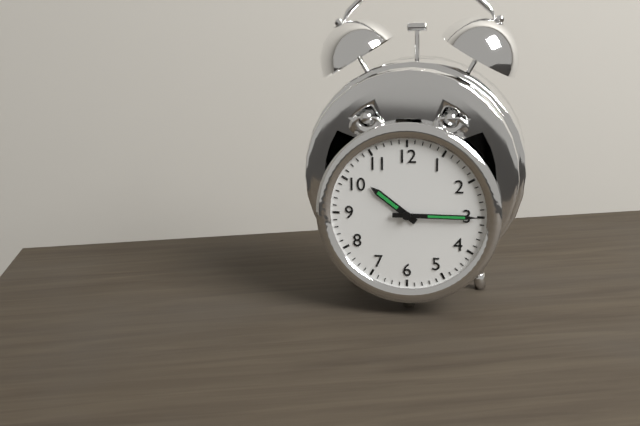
10:15
